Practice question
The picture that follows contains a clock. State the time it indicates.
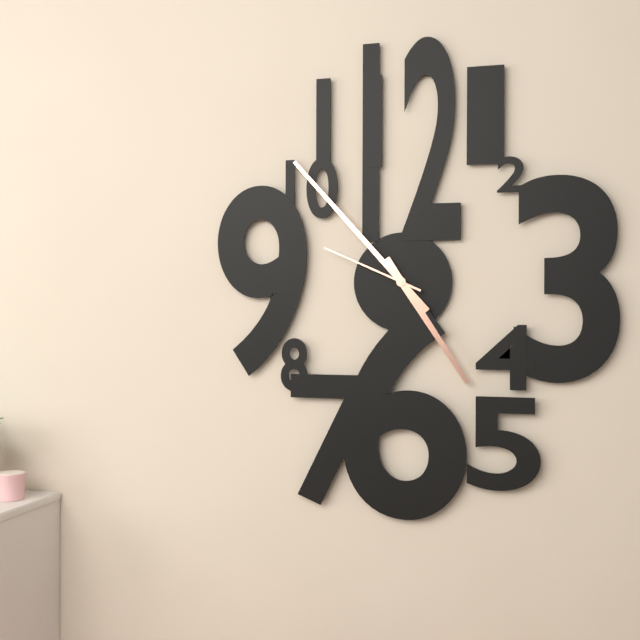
4:53:49
